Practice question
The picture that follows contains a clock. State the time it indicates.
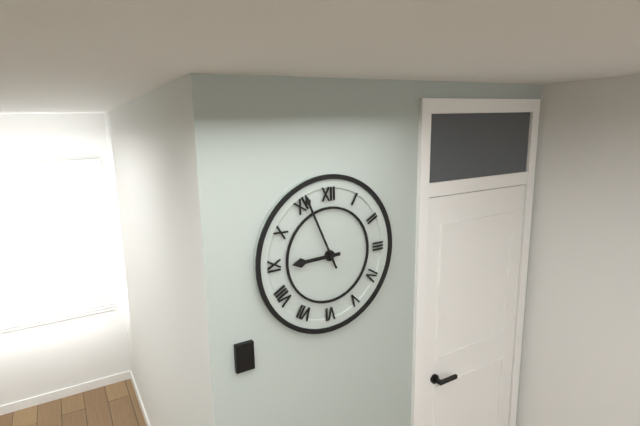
8:56
